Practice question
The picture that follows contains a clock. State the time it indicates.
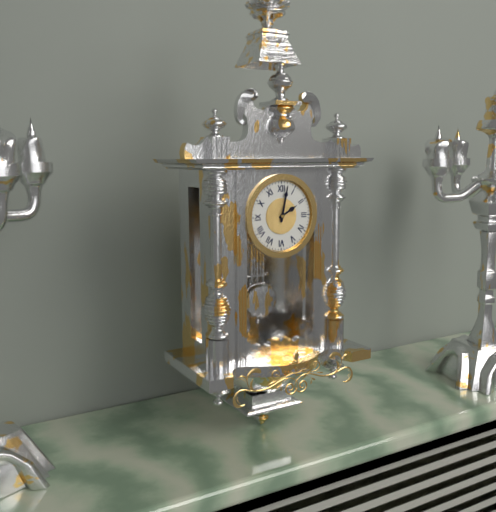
2:02
